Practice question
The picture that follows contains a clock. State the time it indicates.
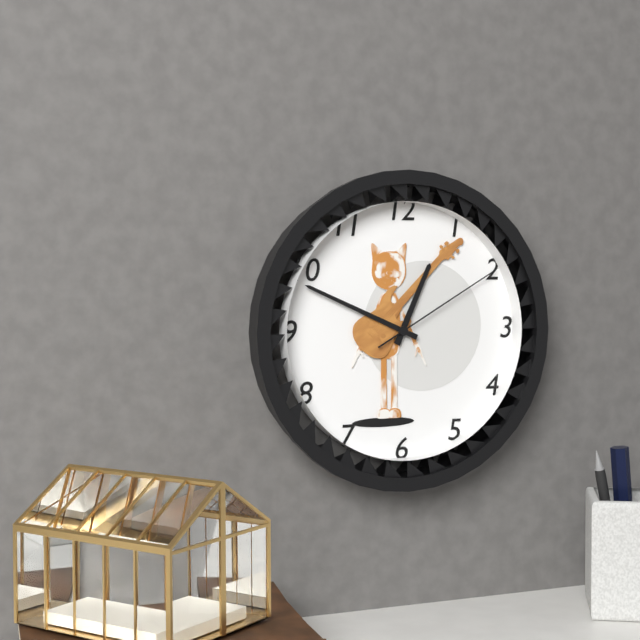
12:49:10
